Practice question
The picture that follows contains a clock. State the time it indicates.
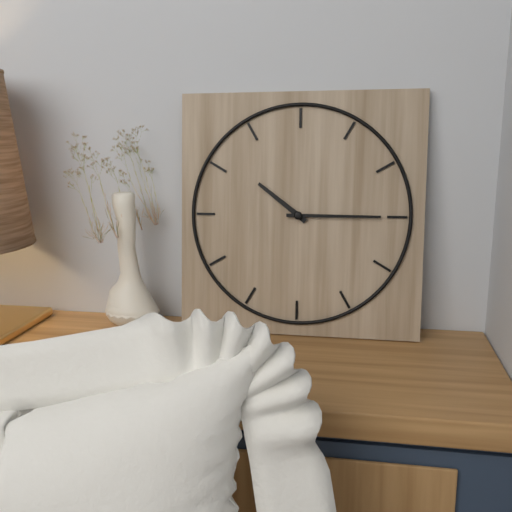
10:15
